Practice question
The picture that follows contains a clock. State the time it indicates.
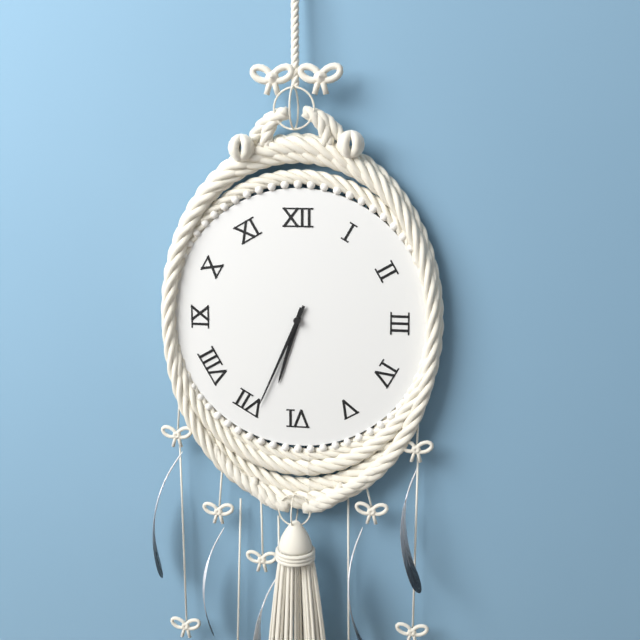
6:34
